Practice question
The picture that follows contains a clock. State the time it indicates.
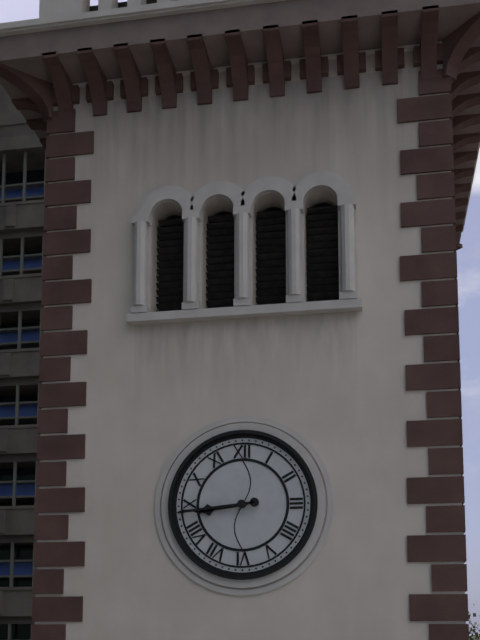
8:44
